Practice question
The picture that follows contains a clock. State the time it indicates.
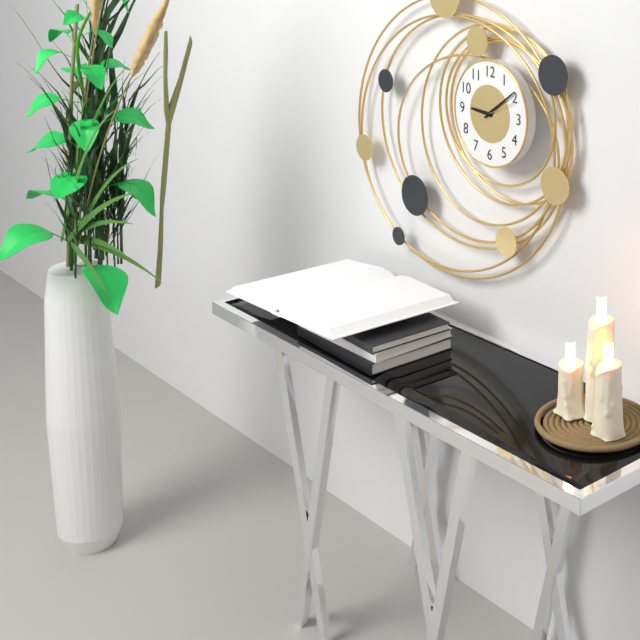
9:09
